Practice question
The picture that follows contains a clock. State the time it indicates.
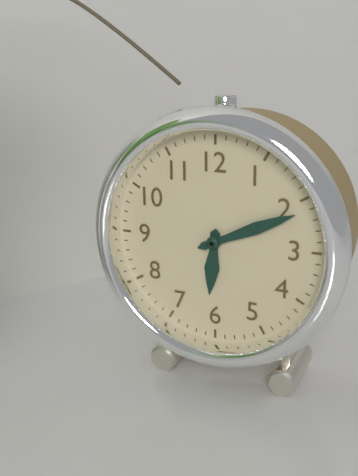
6:11
